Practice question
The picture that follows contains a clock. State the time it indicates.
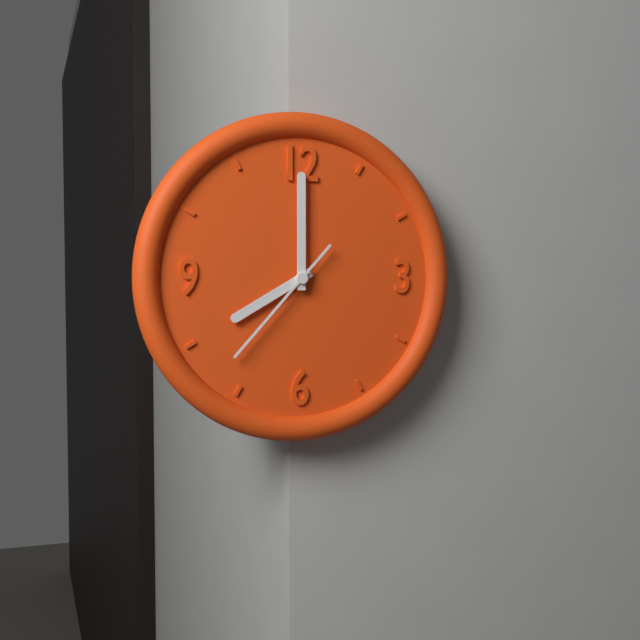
8:00:37
